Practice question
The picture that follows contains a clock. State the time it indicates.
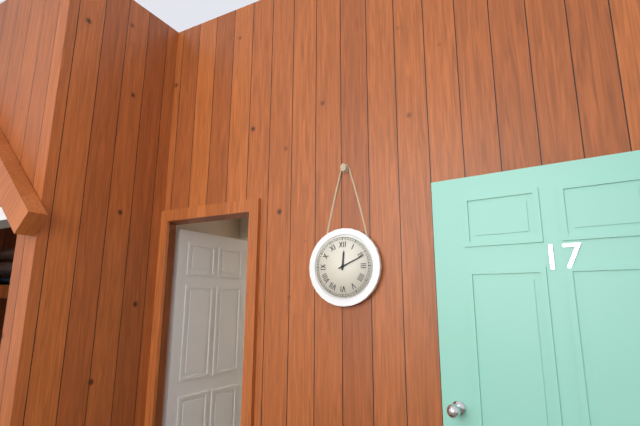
12:11
